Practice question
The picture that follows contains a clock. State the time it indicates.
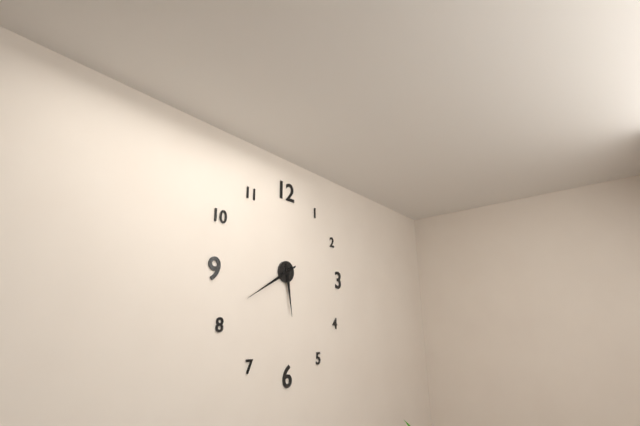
5:40
